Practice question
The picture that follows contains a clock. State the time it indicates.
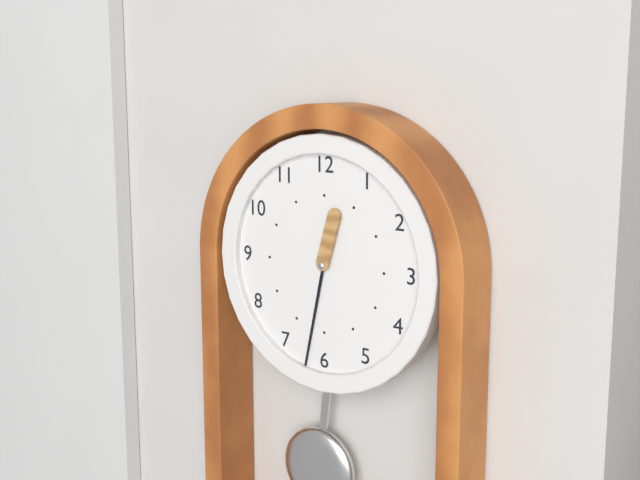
12:32
